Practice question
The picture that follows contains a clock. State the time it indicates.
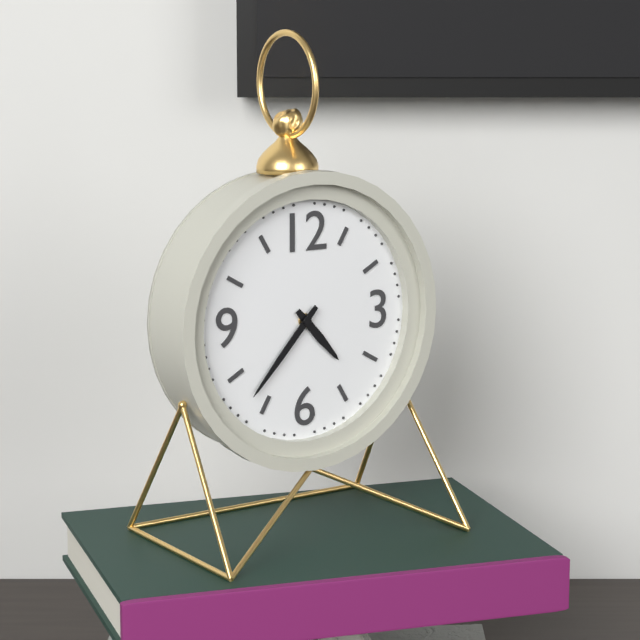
4:37
